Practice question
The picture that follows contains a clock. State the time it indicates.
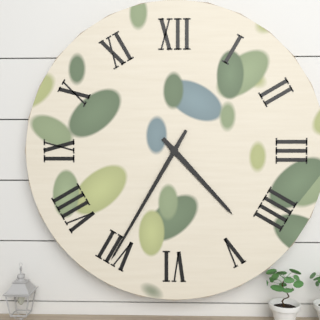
4:35
